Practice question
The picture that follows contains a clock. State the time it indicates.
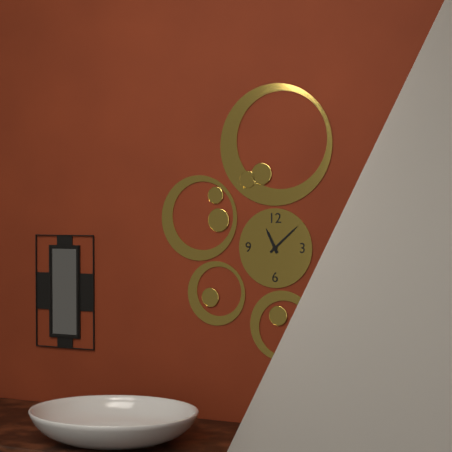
11:08
